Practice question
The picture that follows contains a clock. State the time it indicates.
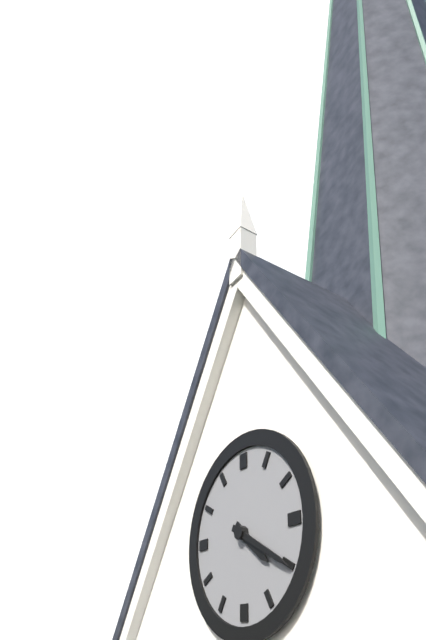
4:20
